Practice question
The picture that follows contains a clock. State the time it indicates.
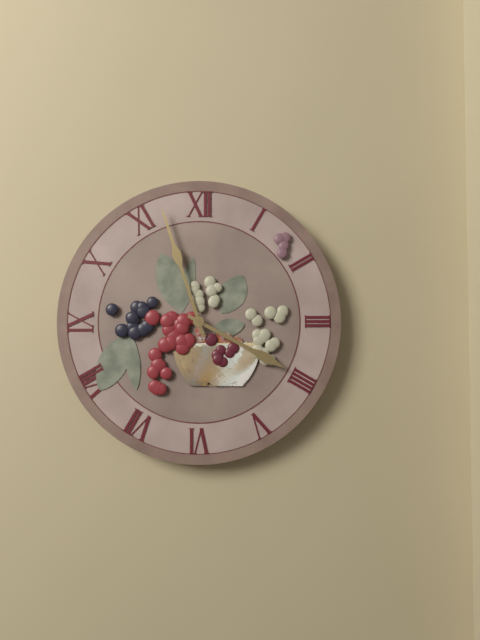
3:57
